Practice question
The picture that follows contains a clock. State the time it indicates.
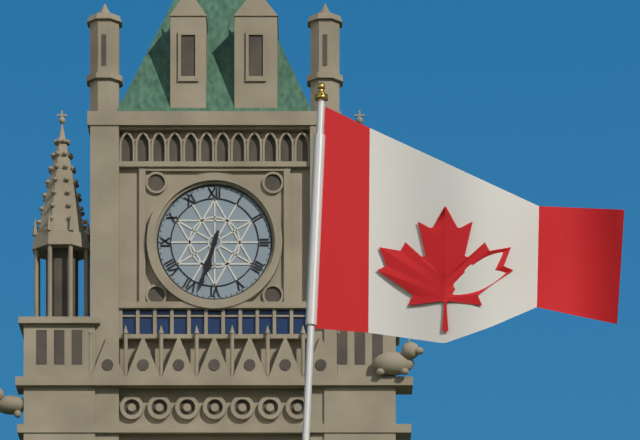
6:33
